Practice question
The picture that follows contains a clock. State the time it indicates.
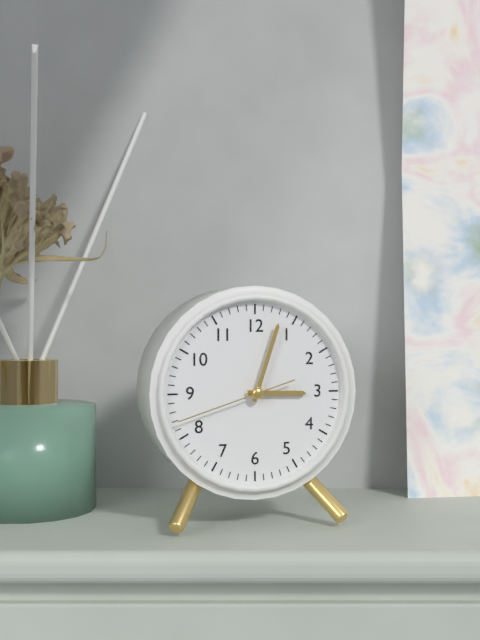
3:03:42
